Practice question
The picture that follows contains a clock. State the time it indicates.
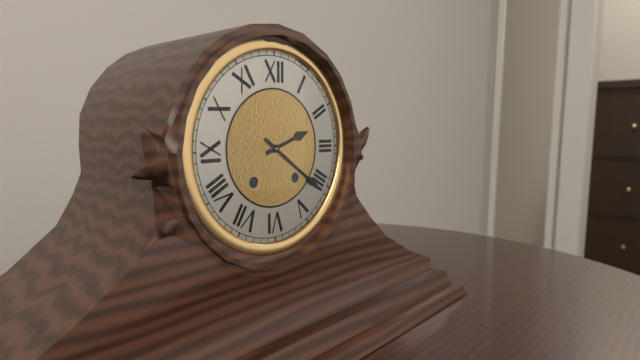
2:21
